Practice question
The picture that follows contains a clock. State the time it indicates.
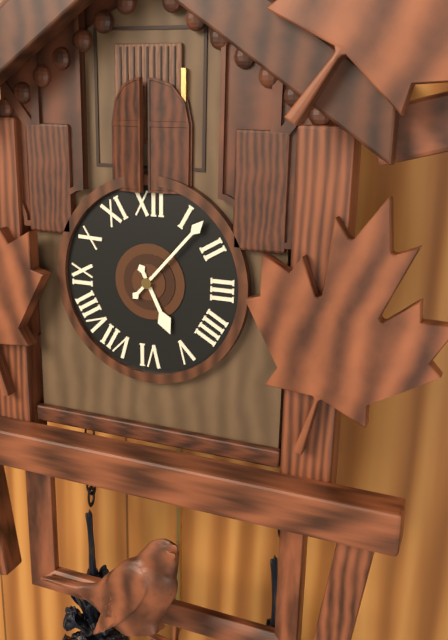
5:07
